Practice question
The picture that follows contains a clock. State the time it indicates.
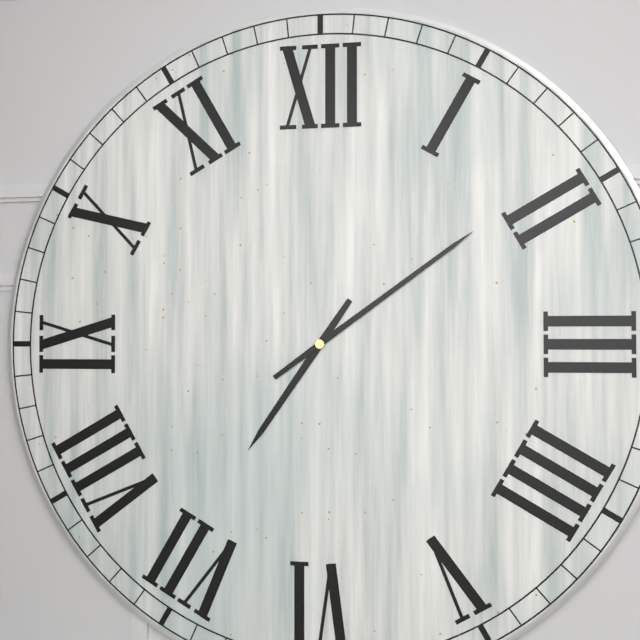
7:09
